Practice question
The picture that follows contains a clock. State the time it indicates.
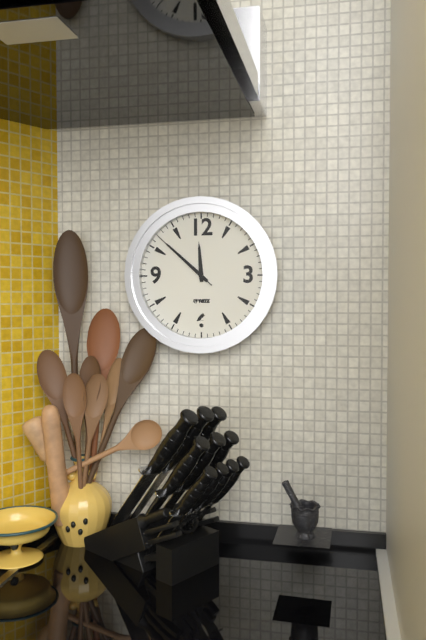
11:52:52
